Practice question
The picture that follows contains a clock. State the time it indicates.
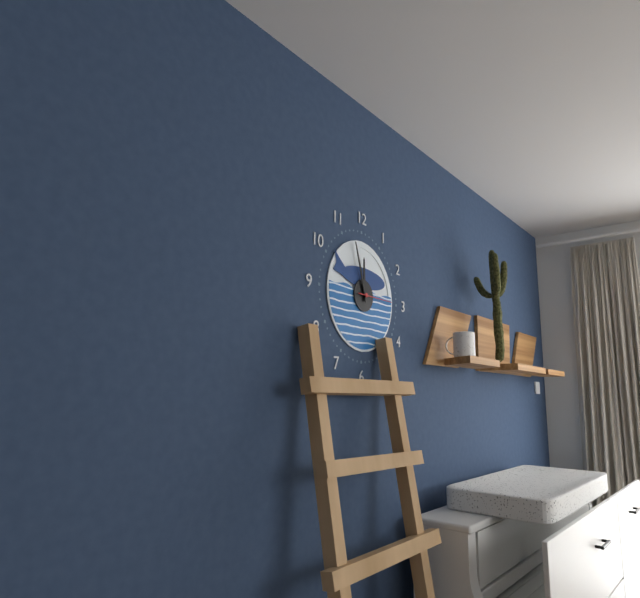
11:57
